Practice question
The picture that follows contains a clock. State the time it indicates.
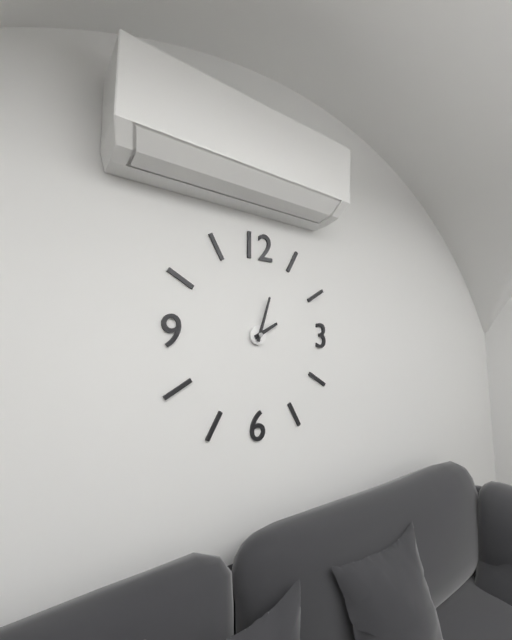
2:03
